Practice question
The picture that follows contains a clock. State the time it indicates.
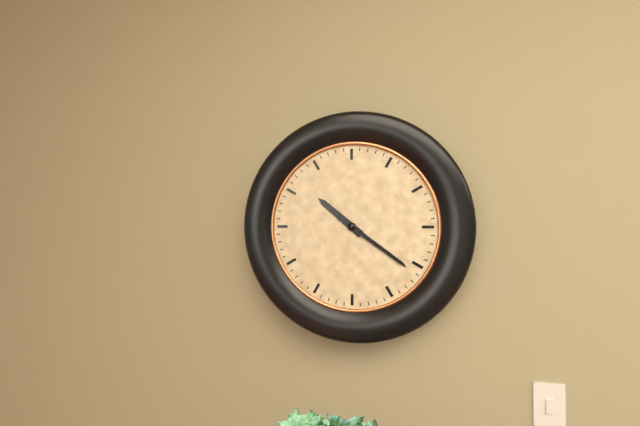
10:21
